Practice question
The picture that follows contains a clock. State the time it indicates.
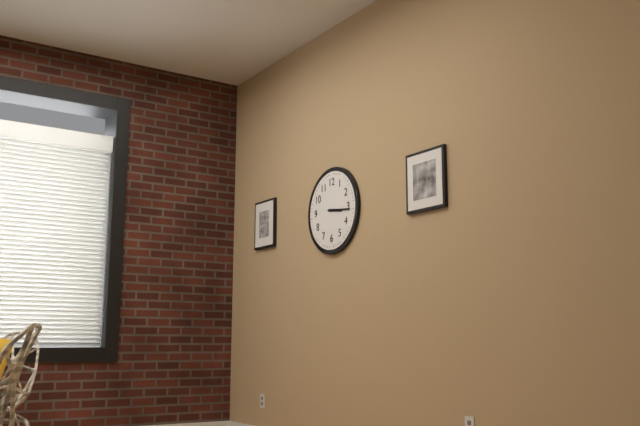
3:16
